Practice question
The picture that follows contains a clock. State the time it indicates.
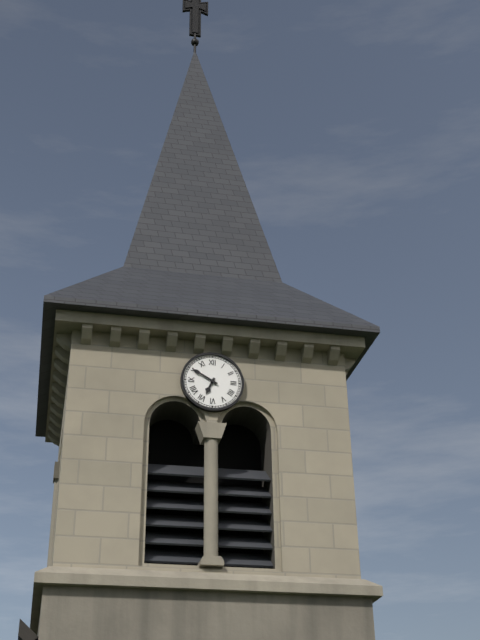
6:50
